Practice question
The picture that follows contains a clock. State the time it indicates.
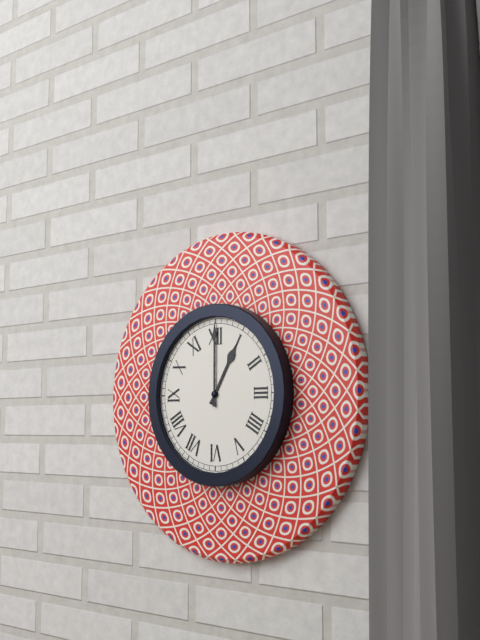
1:00
